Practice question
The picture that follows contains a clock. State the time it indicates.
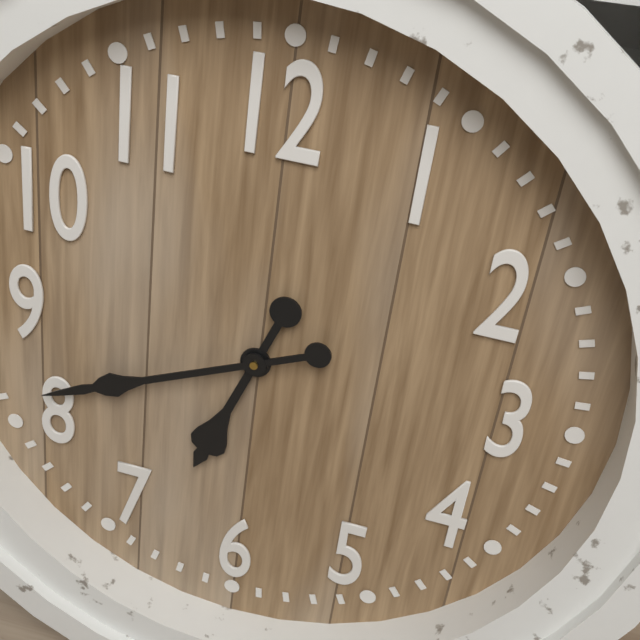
6:41
